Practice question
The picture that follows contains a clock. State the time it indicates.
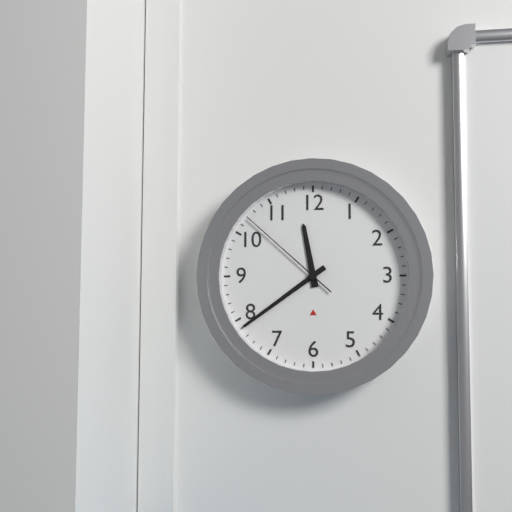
11:39:52
